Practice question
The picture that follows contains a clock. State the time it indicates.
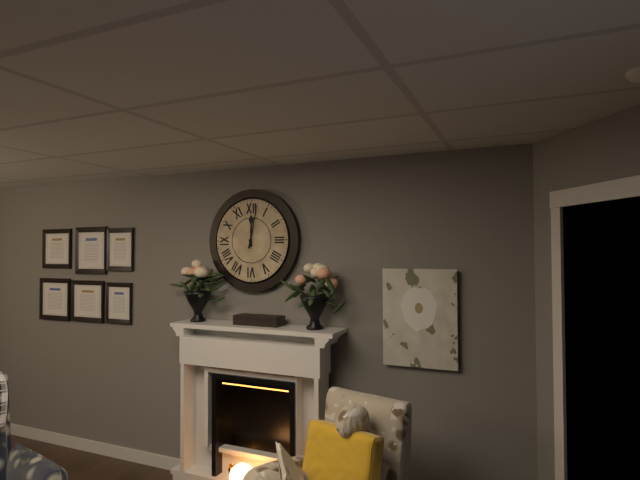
12:02
